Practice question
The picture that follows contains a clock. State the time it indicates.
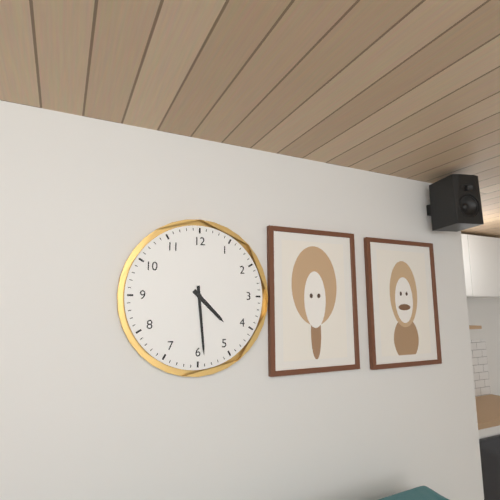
4:29
